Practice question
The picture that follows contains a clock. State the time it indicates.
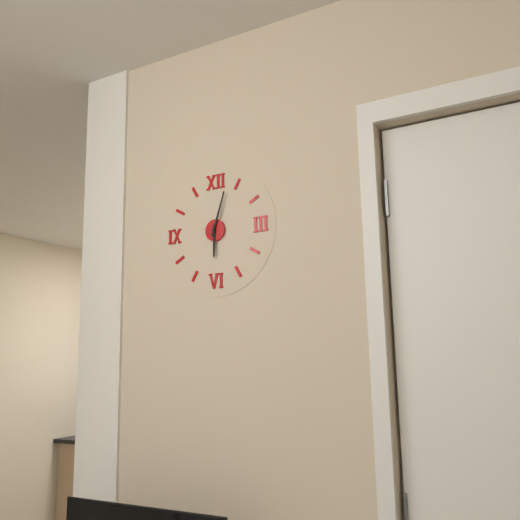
6:03
